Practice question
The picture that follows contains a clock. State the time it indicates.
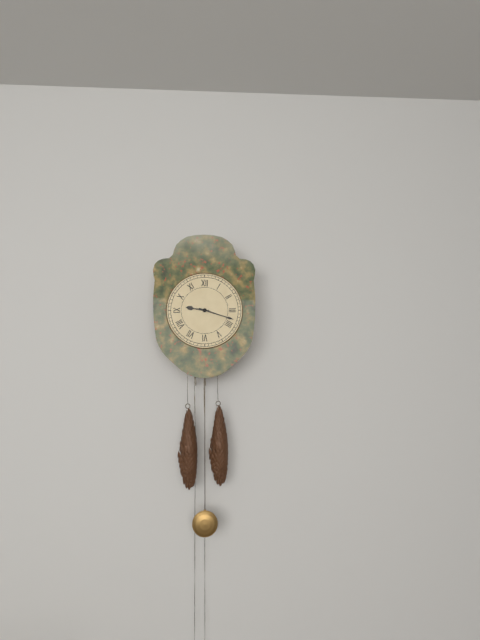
9:18
